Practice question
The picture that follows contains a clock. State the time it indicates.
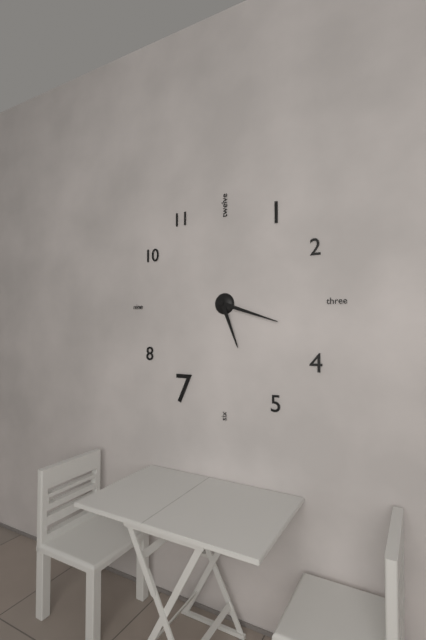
5:18
